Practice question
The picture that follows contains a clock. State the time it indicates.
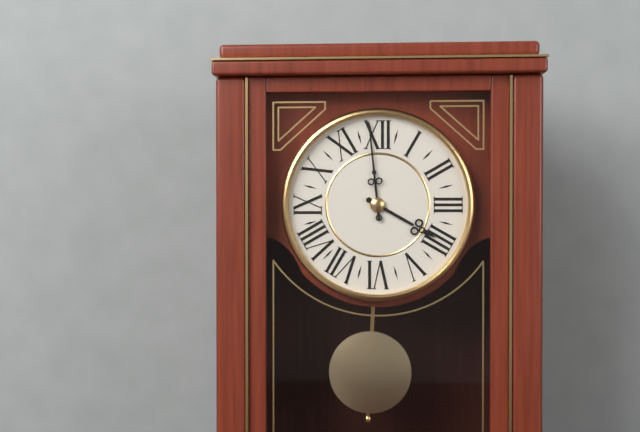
3:59
